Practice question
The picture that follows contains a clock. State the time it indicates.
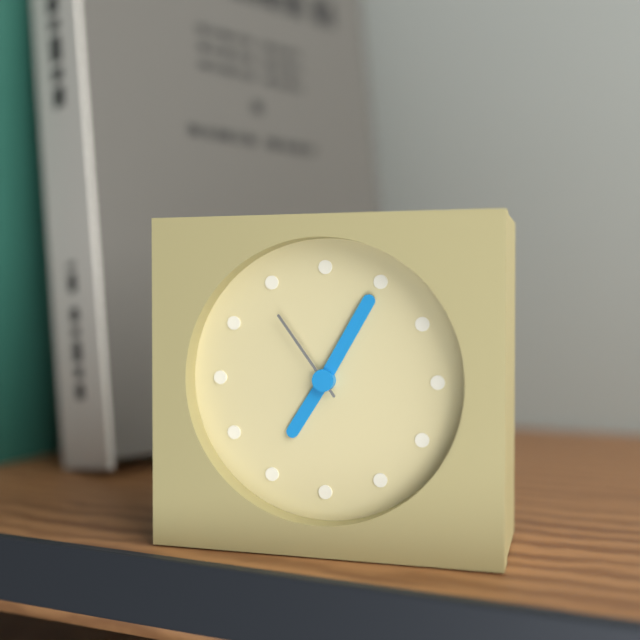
7:05:54
